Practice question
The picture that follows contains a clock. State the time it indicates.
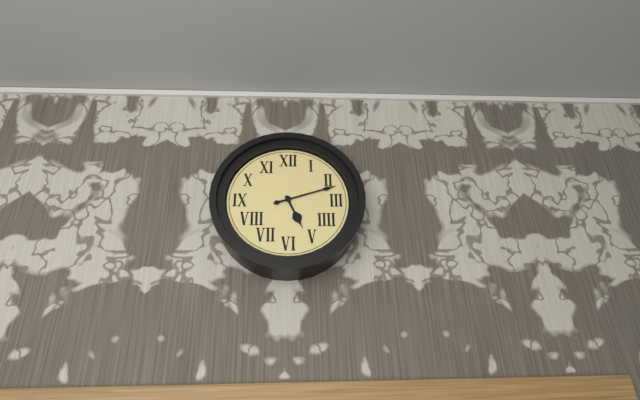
5:12
